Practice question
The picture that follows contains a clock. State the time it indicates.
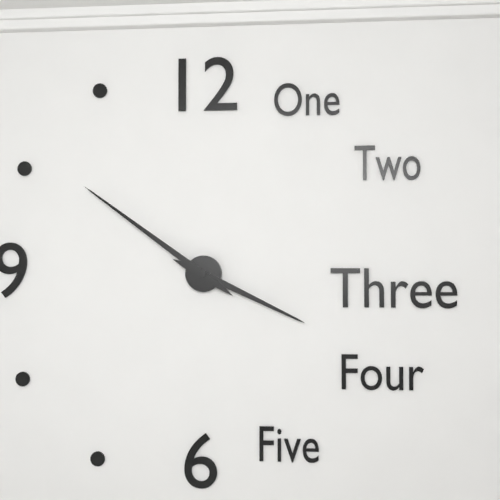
3:51
